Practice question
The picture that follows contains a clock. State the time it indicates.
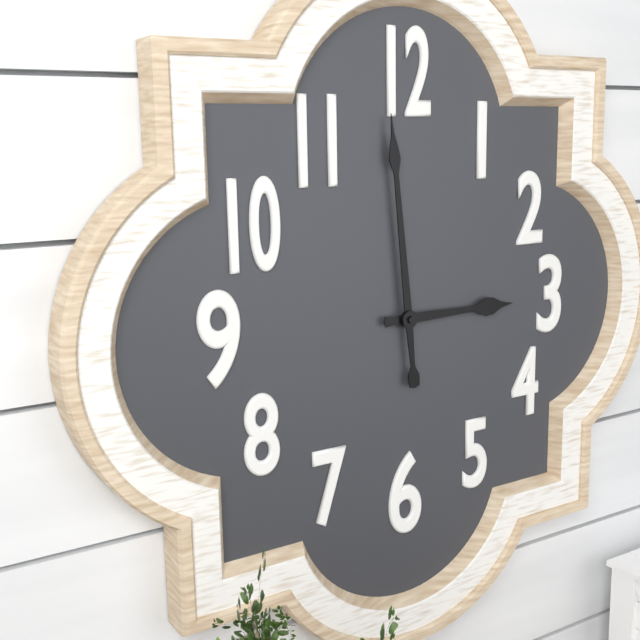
2:59
